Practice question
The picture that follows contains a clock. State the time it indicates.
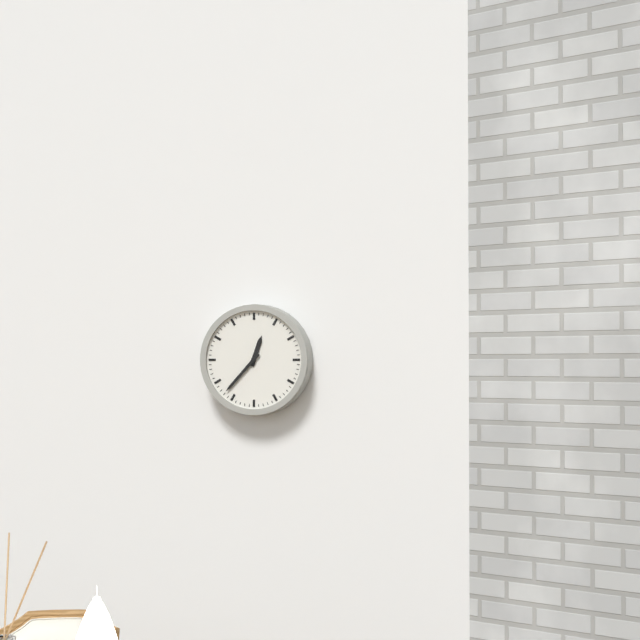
12:37
